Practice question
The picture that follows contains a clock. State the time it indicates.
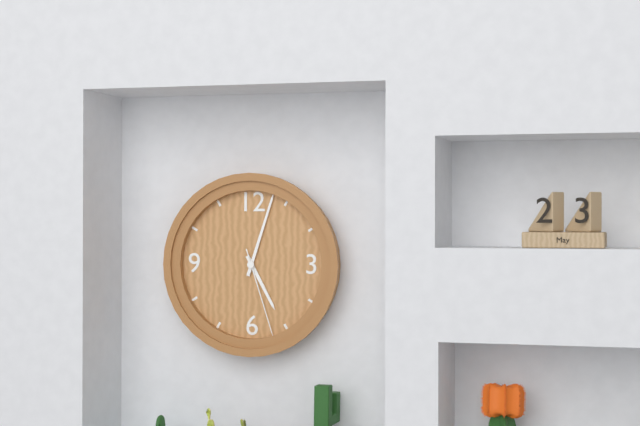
5:03:27
